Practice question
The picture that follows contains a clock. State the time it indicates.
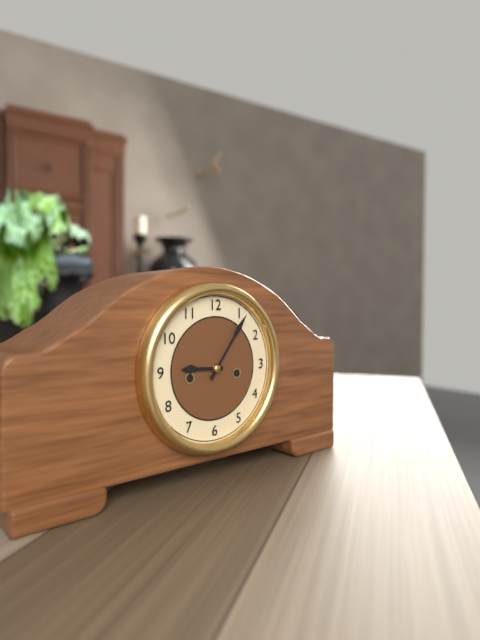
9:06
